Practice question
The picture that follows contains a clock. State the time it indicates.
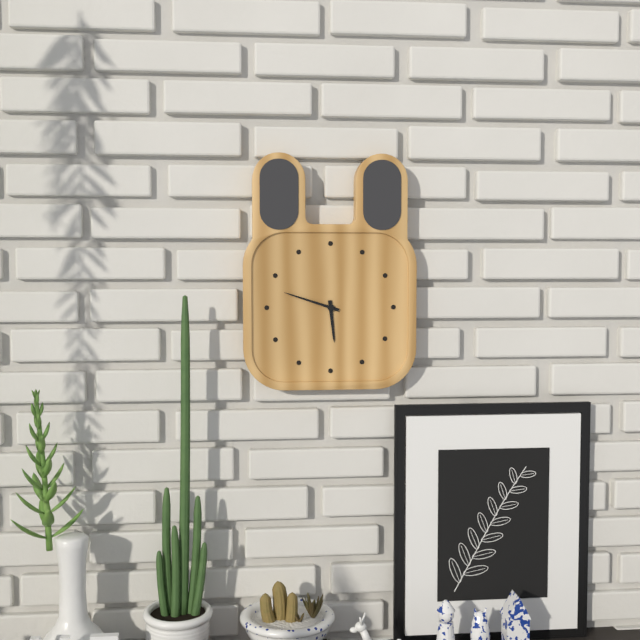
5:48
